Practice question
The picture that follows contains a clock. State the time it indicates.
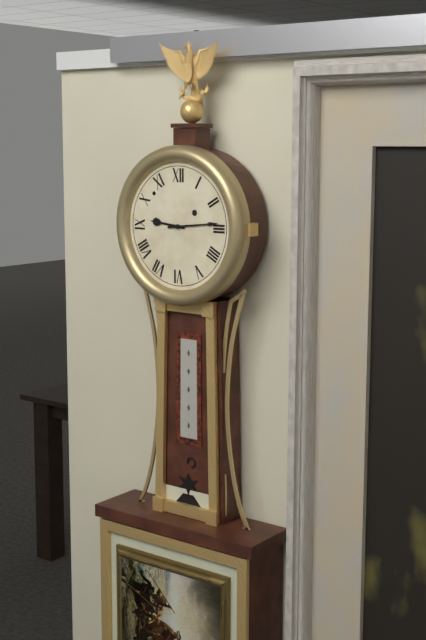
9:14
